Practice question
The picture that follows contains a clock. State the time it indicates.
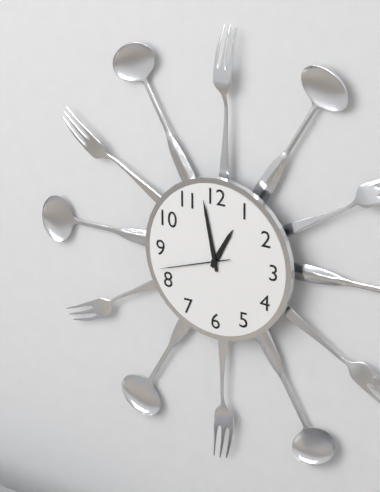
12:58:42
